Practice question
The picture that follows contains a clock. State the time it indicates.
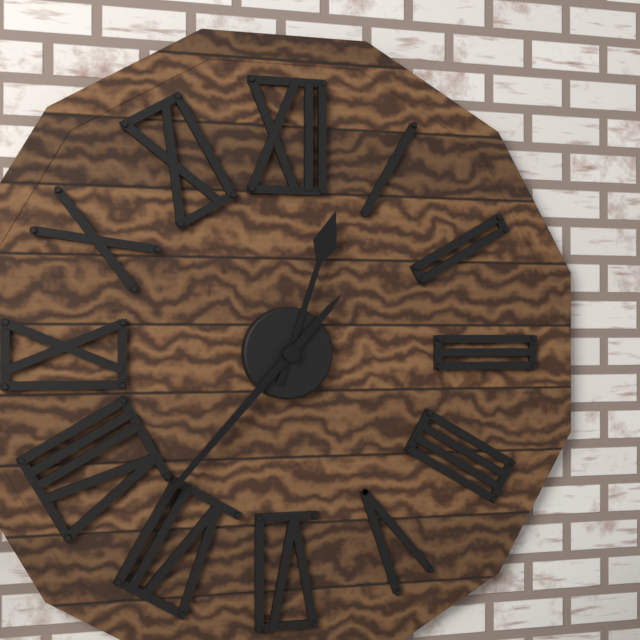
12:37
